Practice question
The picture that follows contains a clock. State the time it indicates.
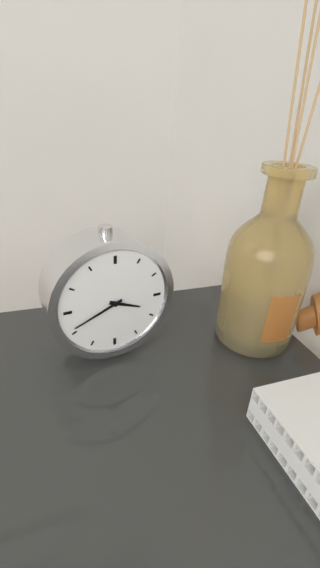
3:41
